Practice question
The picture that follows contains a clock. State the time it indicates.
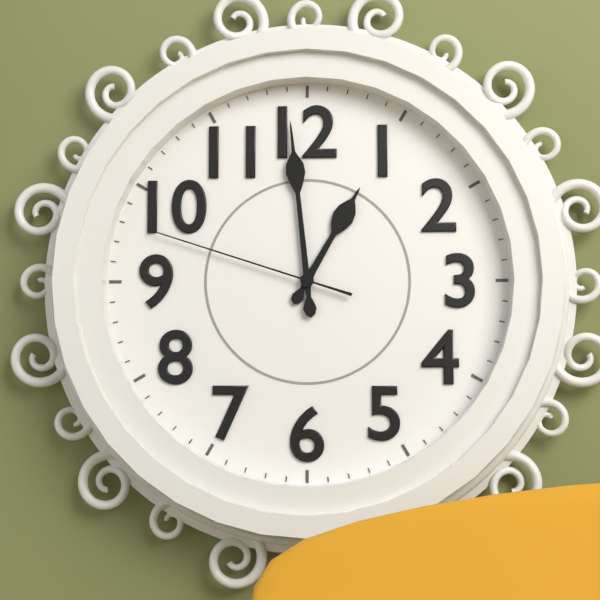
12:59:48
